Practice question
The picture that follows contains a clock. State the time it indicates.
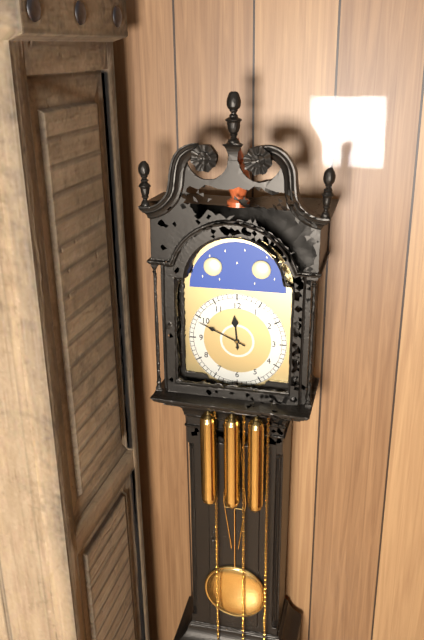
11:49
